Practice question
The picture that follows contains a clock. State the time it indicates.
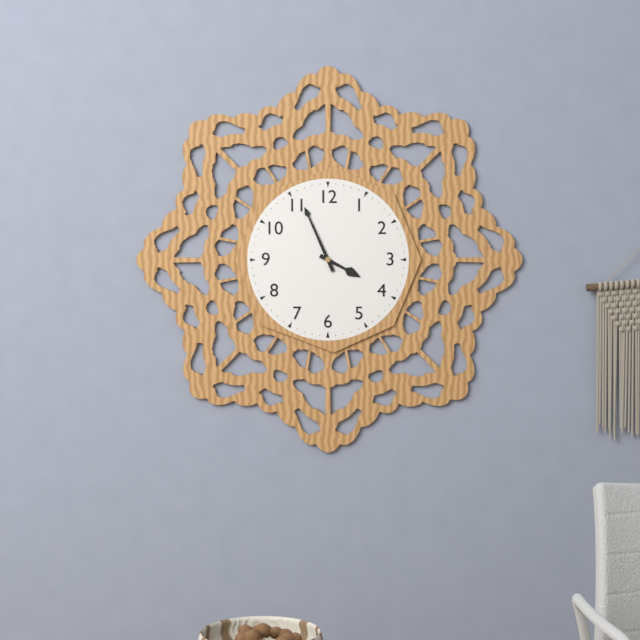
3:56
